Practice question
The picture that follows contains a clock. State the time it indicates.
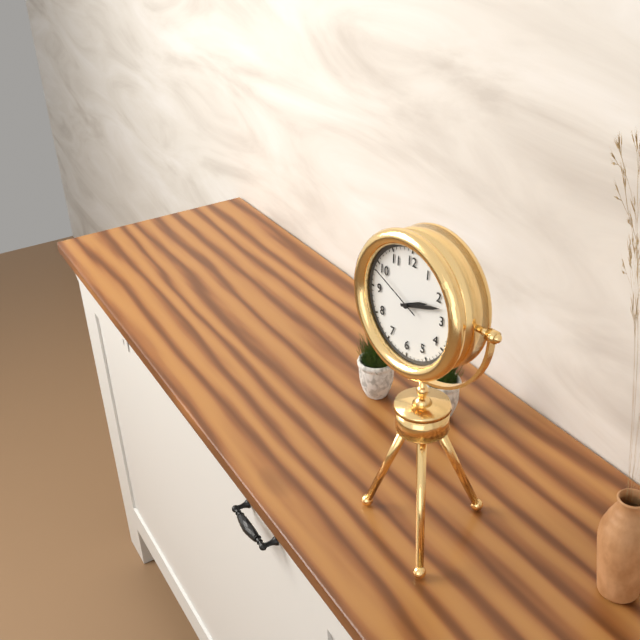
2:12:49
